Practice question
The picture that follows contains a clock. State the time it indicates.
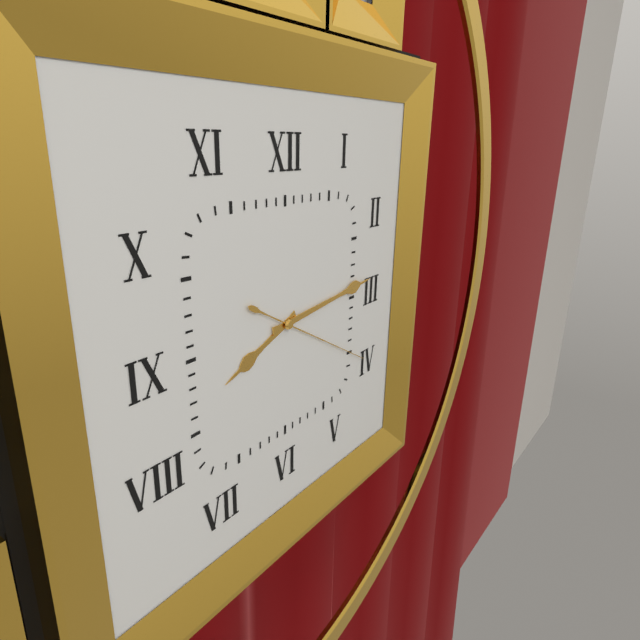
8:14:20
